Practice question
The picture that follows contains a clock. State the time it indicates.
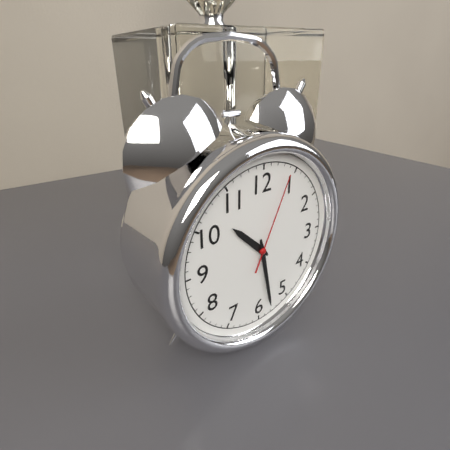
10:28:04
